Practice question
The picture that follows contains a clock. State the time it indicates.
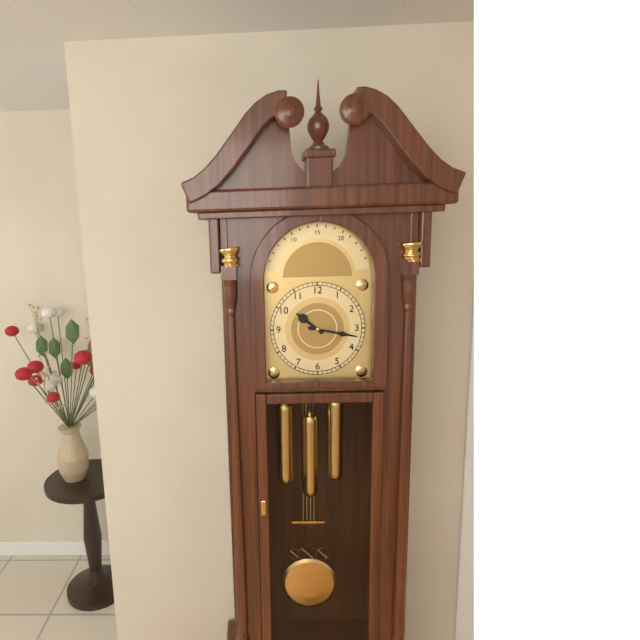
10:17
